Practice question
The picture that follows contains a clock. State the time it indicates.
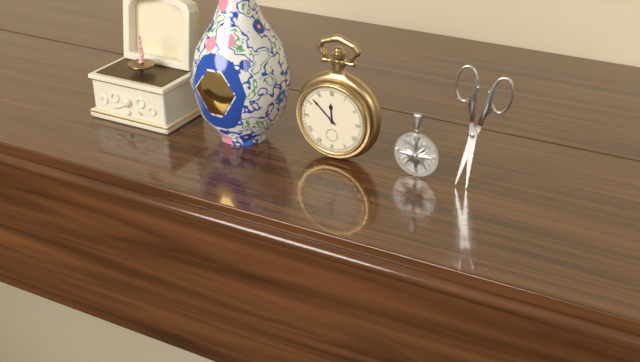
11:52
